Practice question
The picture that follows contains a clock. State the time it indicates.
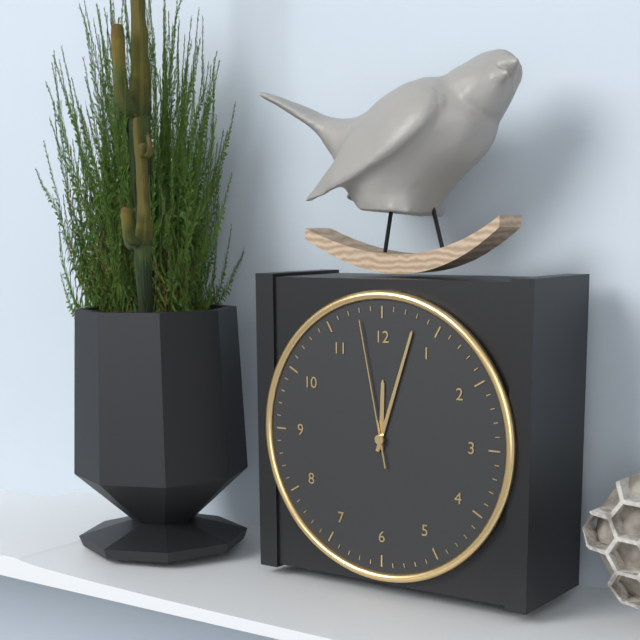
12:03:58
